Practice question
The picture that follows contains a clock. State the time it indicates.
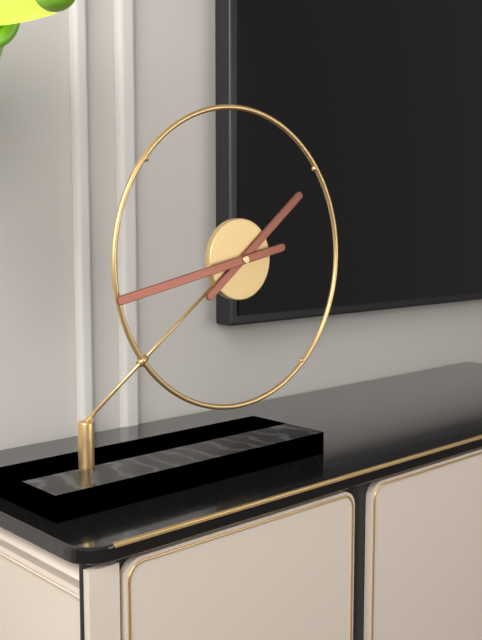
1:43
